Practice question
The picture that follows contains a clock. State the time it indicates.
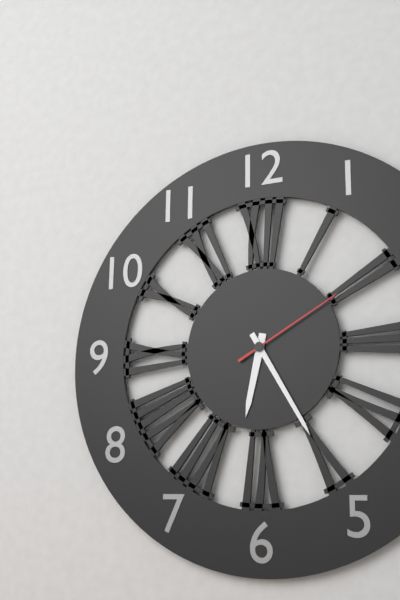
6:25:10
